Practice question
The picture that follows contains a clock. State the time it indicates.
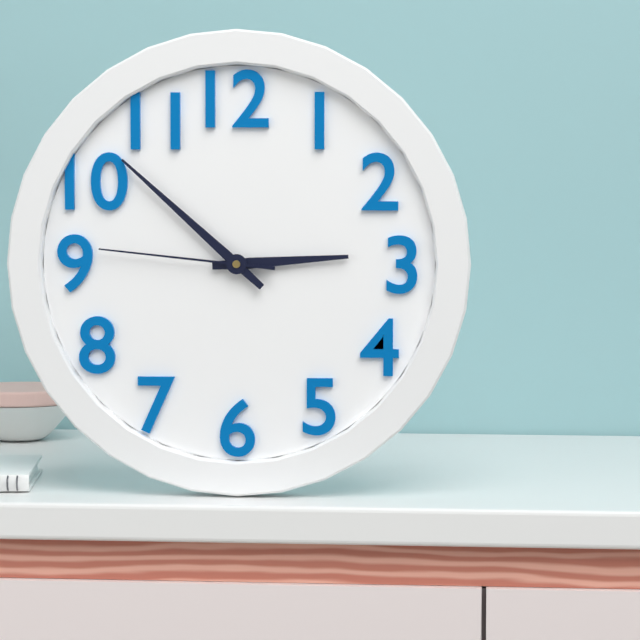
2:52:46
